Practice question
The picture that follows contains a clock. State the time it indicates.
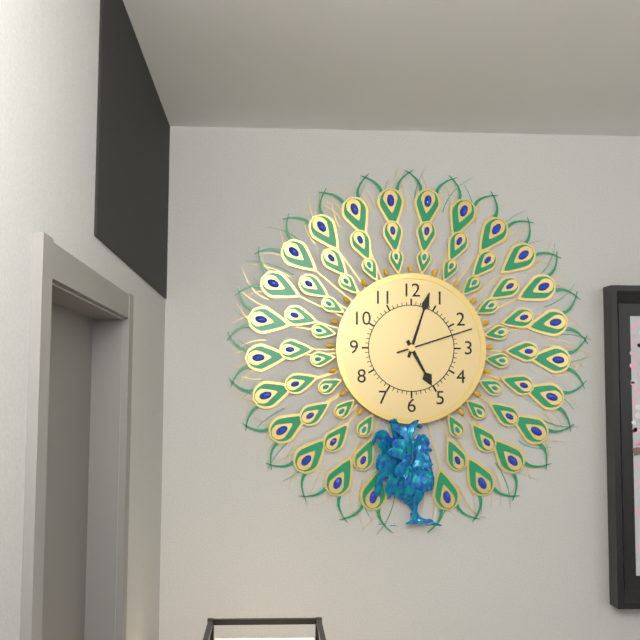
5:03:12
